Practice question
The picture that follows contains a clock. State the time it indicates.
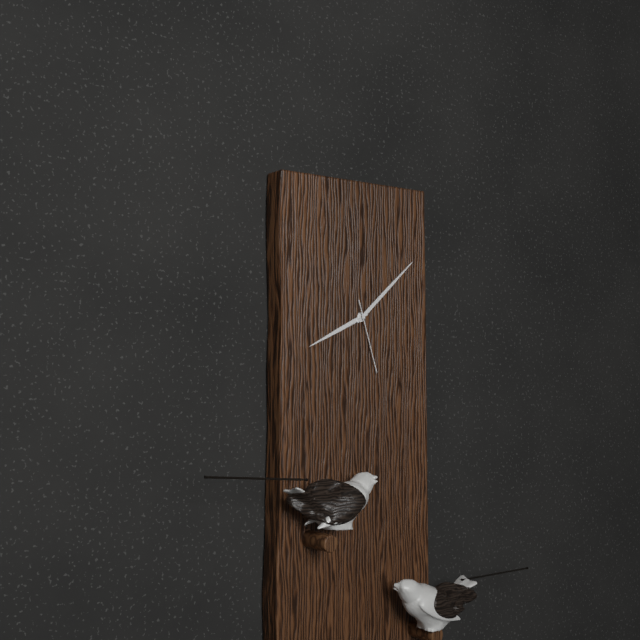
8:08:27
